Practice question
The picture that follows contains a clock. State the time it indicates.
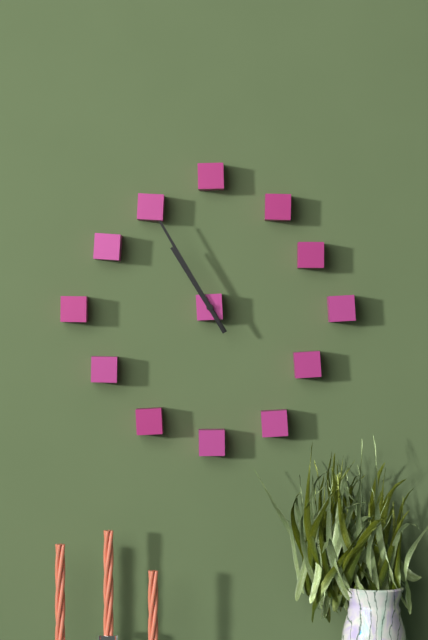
10:55
